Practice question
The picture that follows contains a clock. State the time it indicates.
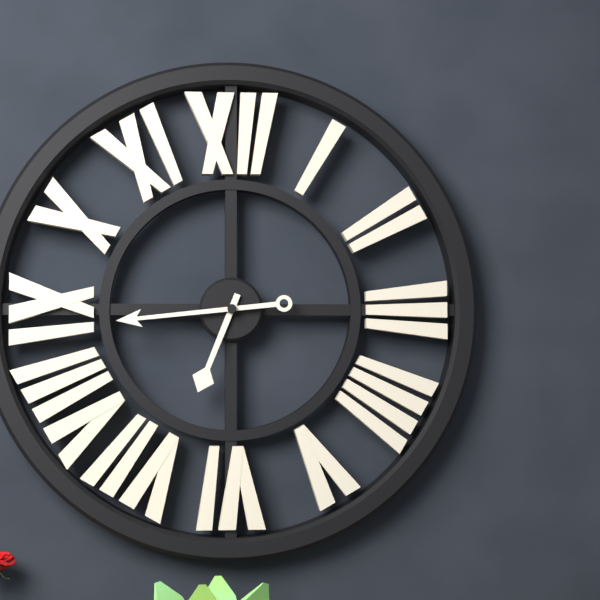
6:44
